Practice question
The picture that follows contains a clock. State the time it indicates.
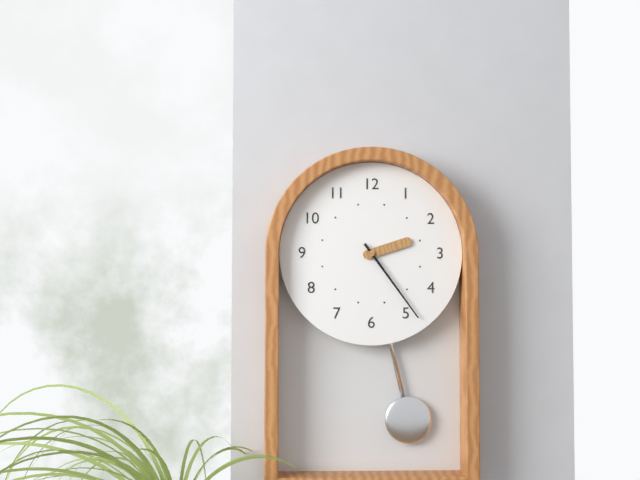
2:24
